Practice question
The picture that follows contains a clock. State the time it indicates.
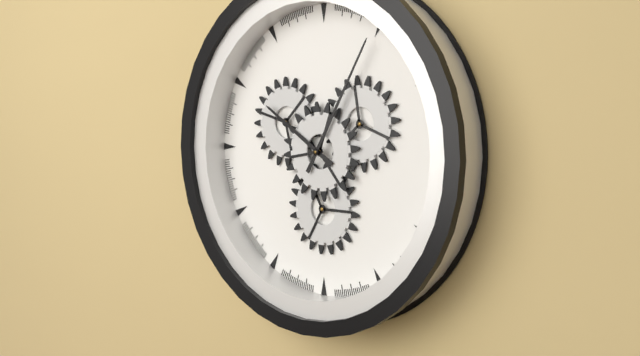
10:05
